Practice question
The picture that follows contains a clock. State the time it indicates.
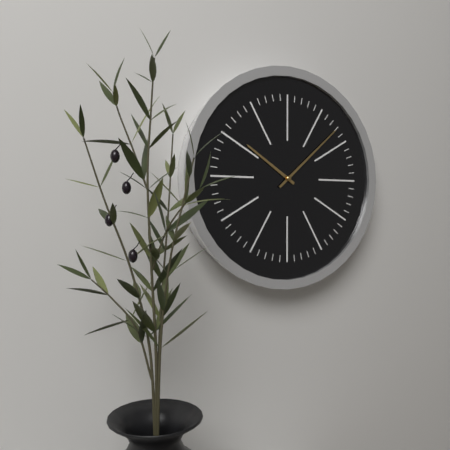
10:08
